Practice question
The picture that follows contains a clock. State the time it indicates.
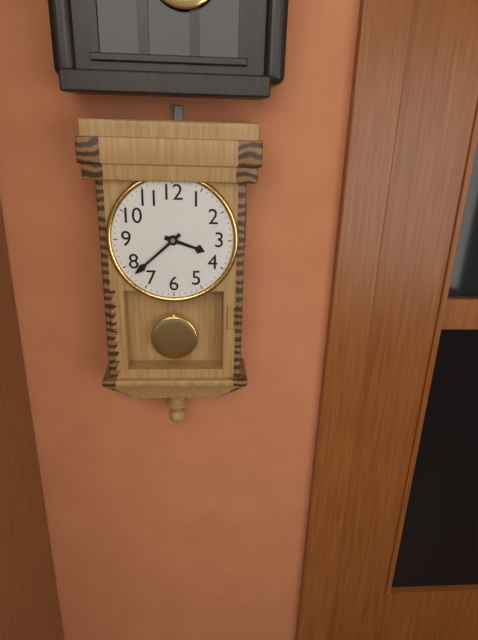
3:38
